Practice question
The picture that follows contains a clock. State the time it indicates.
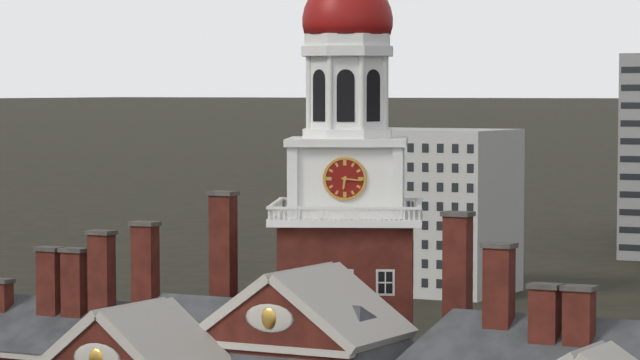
6:16
